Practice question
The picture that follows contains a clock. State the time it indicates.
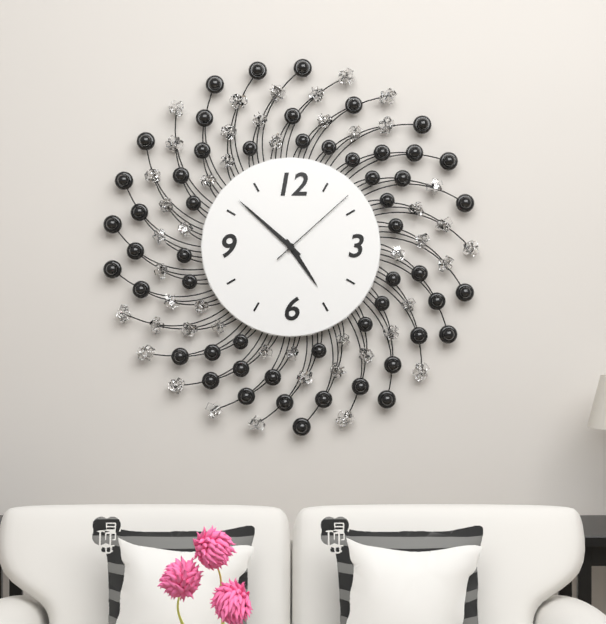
4:52:08
